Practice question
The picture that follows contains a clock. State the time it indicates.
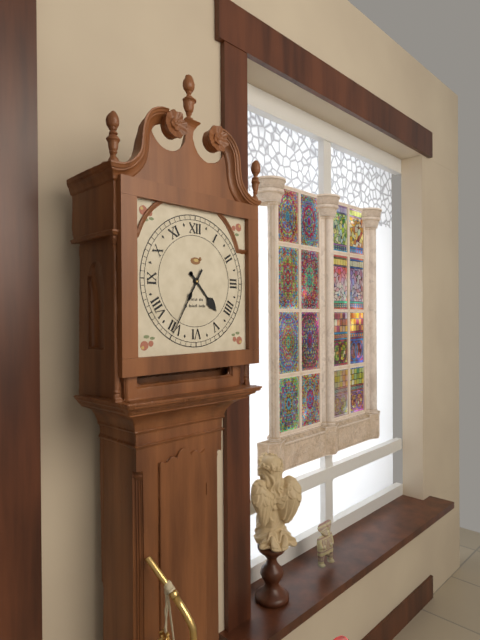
4:35
